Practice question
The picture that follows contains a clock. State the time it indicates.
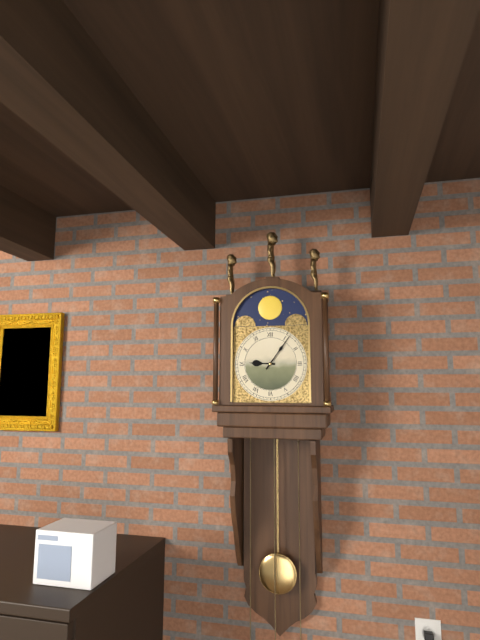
9:06
